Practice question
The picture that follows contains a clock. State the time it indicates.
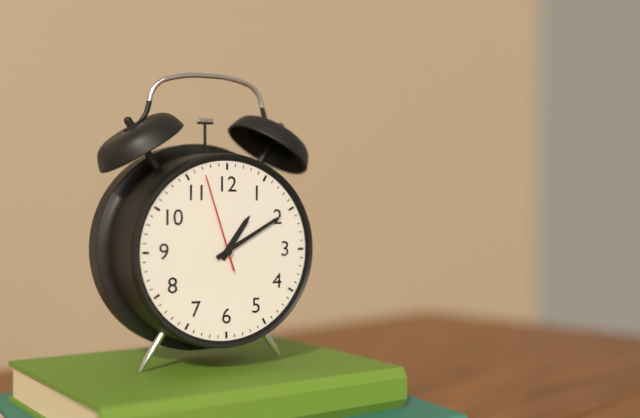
1:10:57
